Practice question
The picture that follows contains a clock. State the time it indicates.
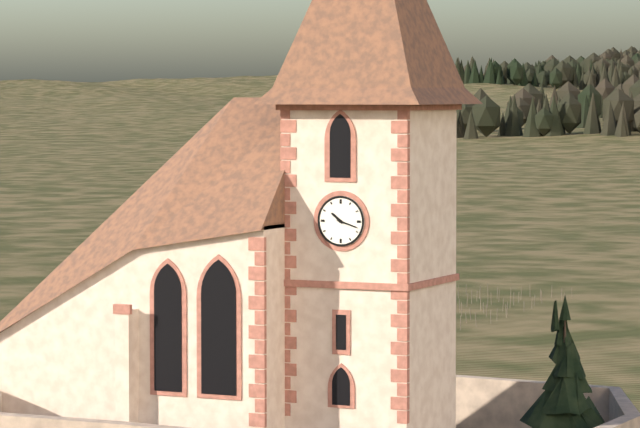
10:18
